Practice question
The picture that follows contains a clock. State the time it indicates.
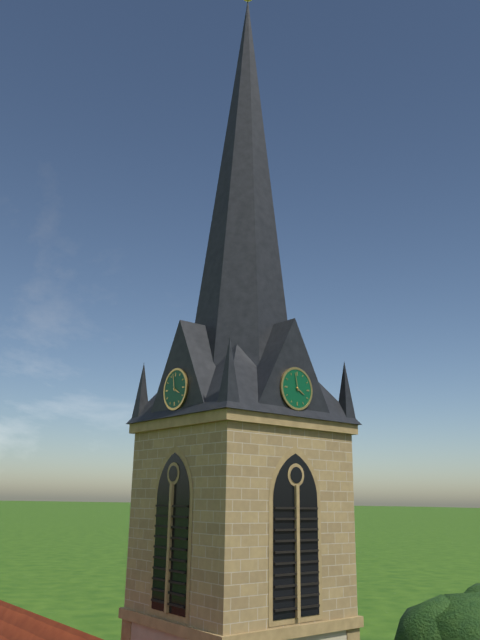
3:58
